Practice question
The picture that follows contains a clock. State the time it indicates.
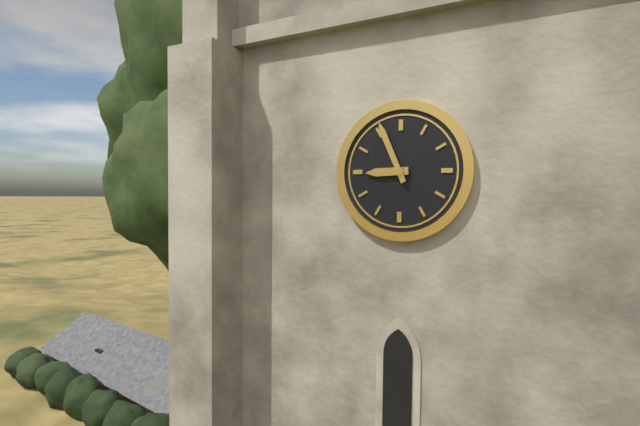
8:56
